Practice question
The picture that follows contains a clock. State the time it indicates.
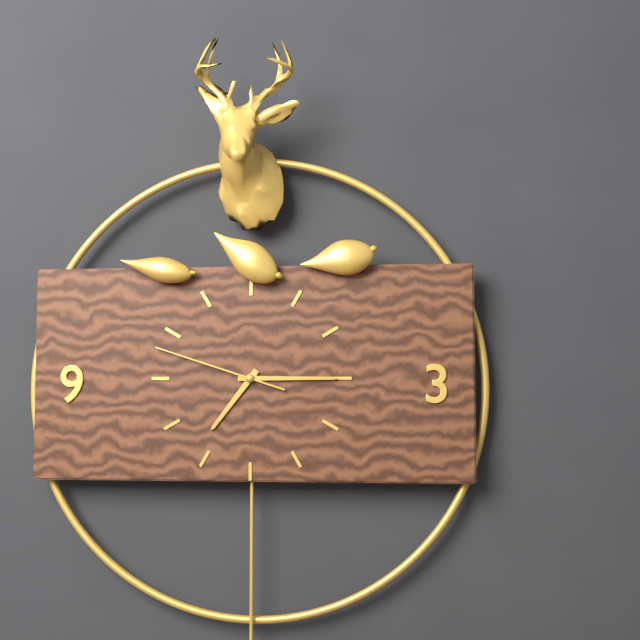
7:15:48
